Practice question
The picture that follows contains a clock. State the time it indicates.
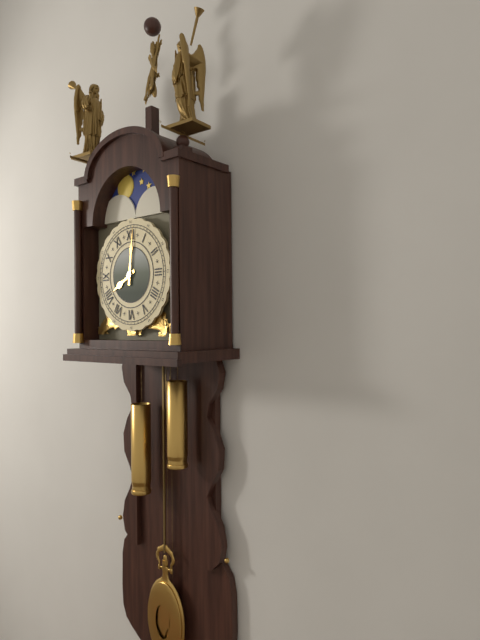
8:01
